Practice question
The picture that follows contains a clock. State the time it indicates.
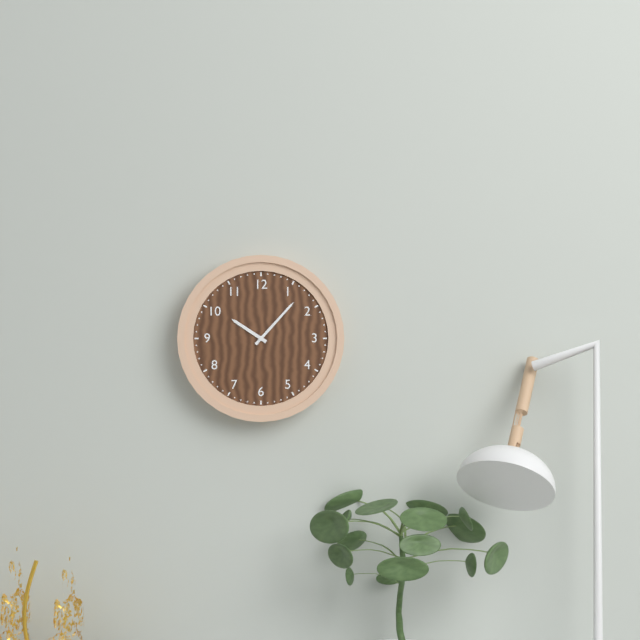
10:07
